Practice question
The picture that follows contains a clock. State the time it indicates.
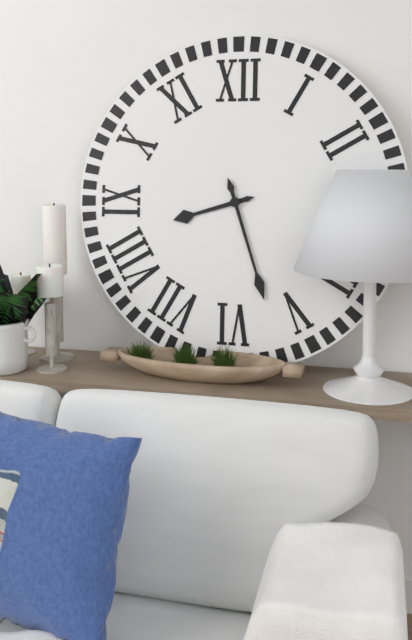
8:27
